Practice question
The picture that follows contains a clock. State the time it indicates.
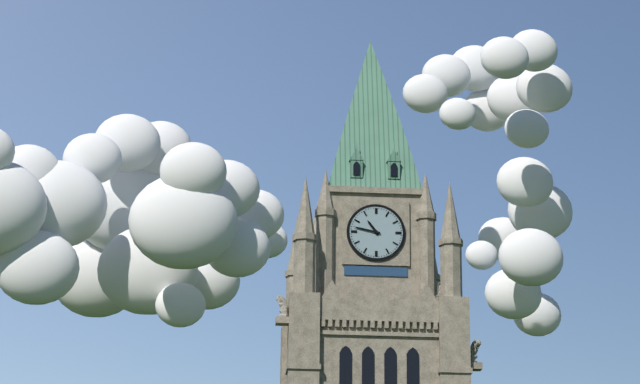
10:47
